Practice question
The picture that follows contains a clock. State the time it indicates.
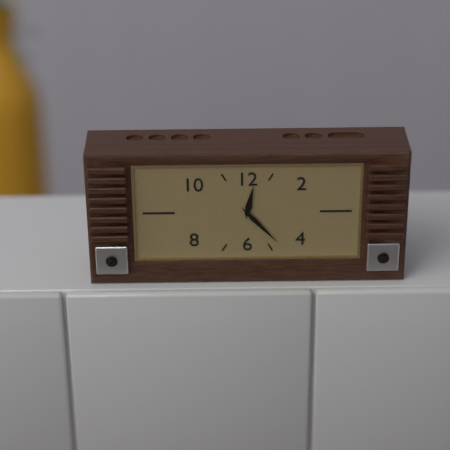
12:23
